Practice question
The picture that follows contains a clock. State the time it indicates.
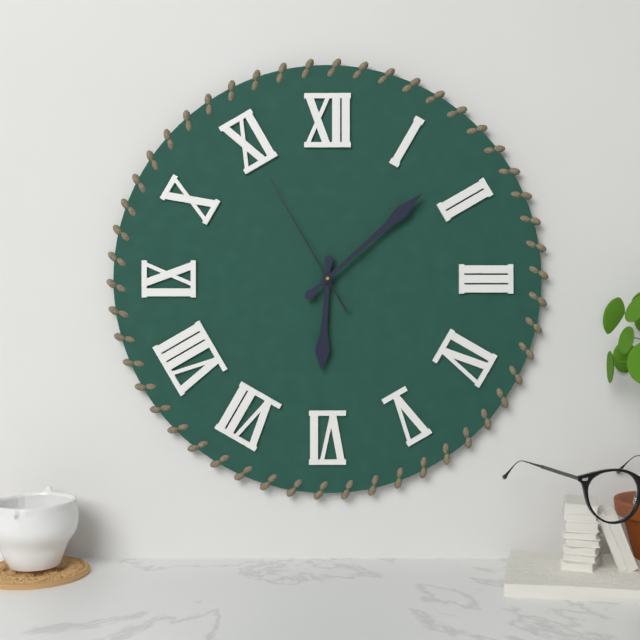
6:08:55
